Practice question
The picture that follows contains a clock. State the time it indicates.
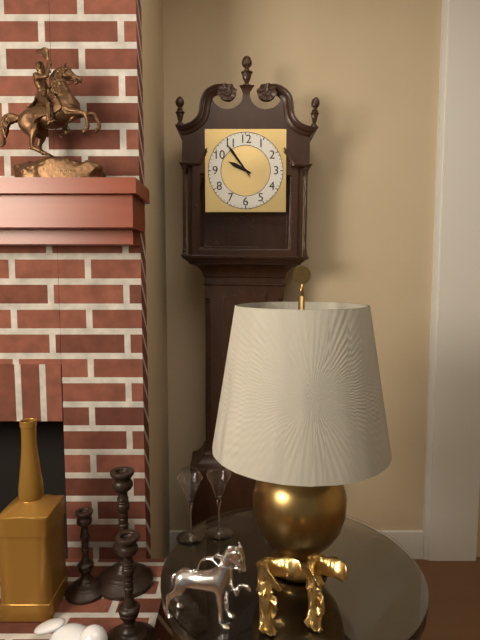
9:54
